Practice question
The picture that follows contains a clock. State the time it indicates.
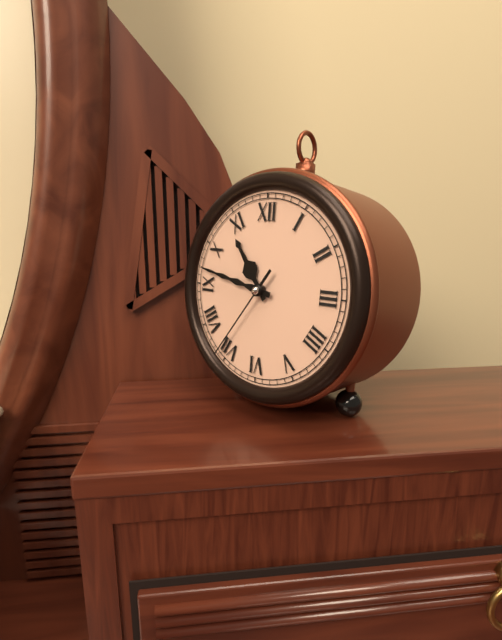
10:47:36
